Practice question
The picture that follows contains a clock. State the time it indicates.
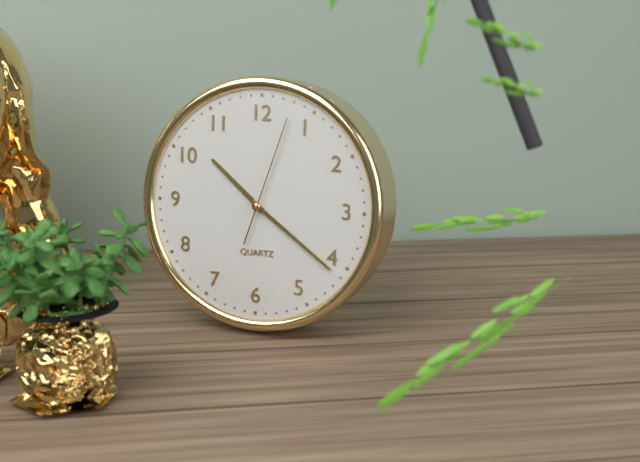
10:21:03
